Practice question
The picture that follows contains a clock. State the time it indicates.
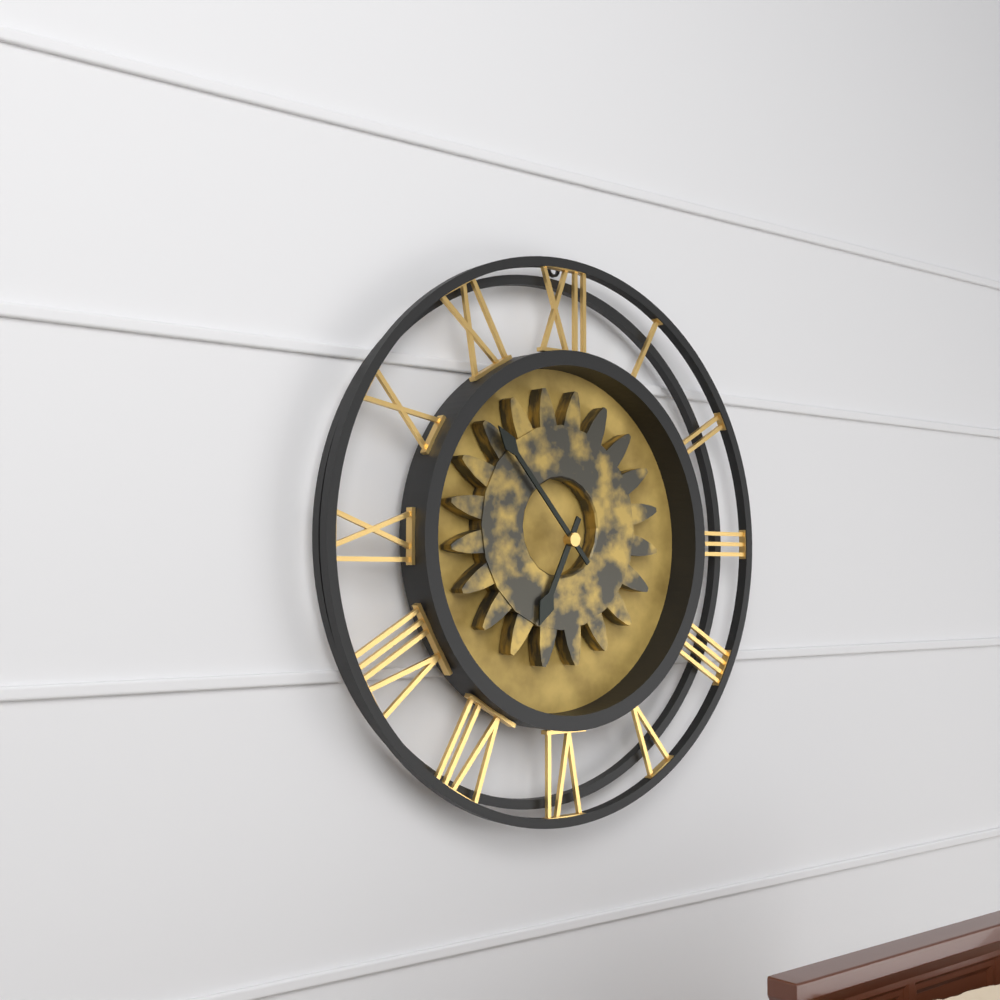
6:53
